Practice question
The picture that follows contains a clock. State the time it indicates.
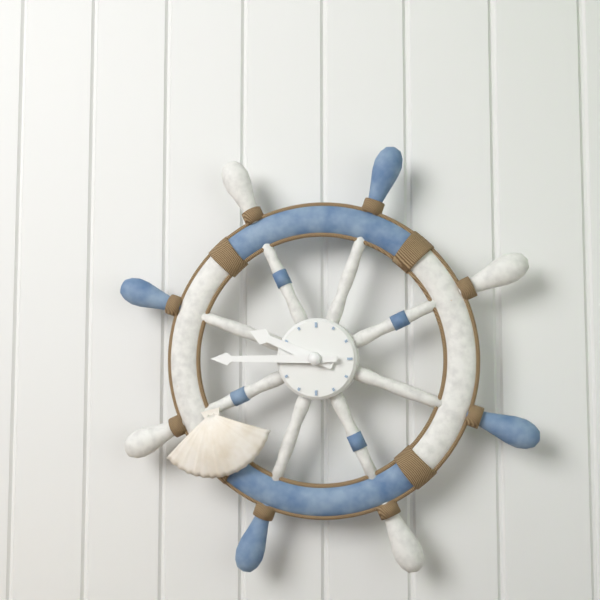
9:45
